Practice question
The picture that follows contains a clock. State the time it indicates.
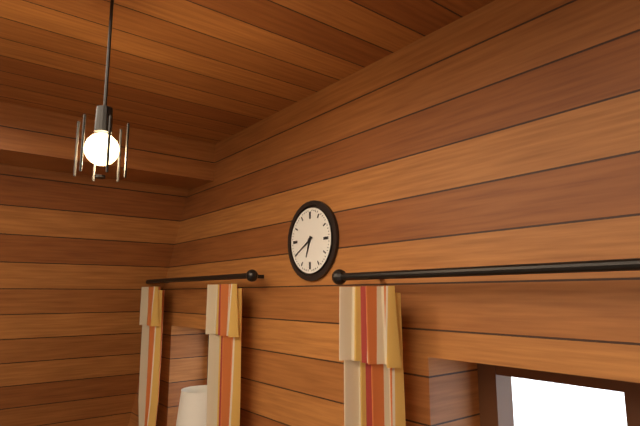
6:40
